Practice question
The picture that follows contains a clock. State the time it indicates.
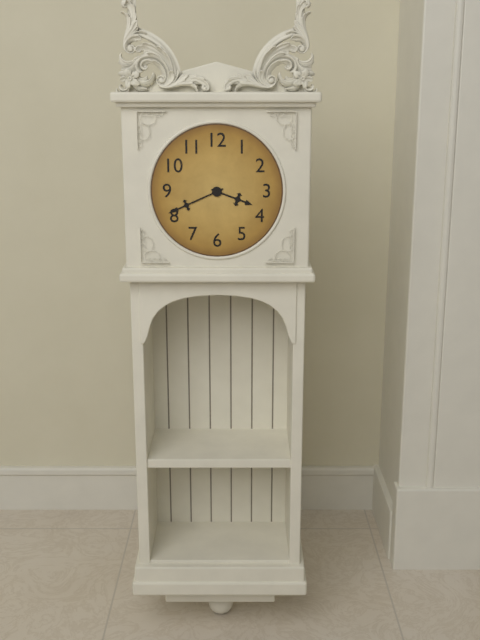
3:41
